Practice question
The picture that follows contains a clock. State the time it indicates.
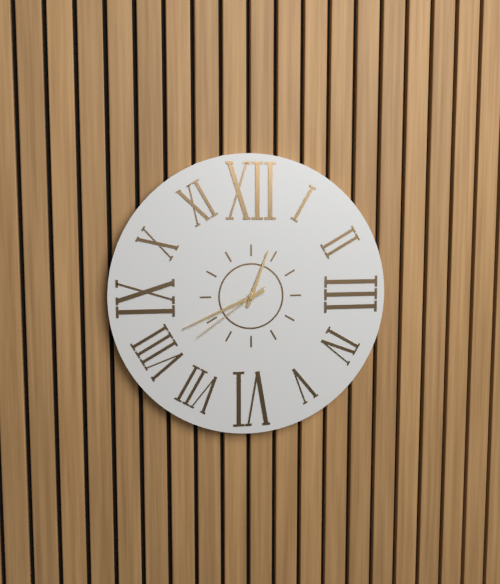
12:41:39
